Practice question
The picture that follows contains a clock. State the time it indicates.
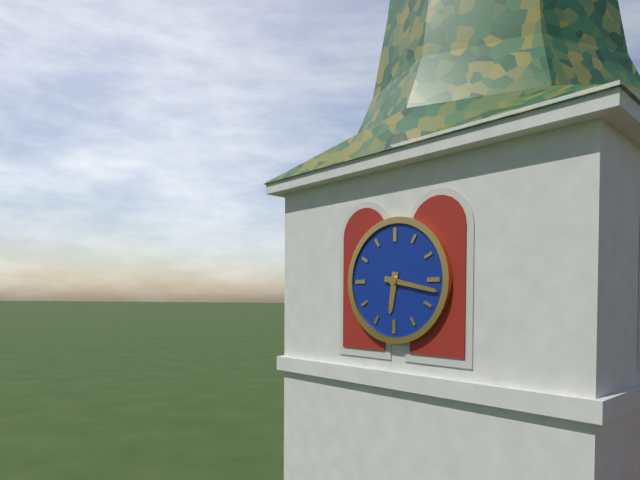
6:17
